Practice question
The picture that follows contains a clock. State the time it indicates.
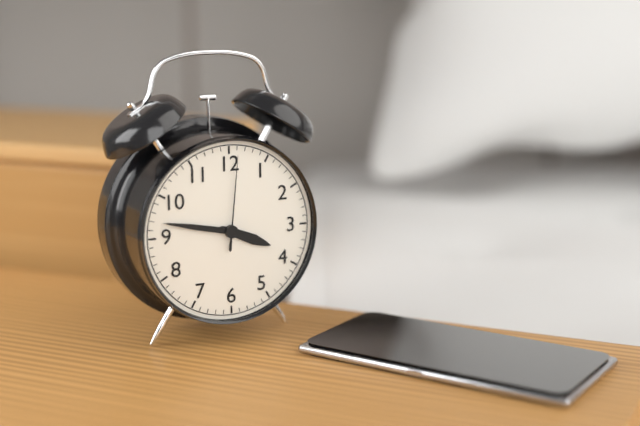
3:47:01
